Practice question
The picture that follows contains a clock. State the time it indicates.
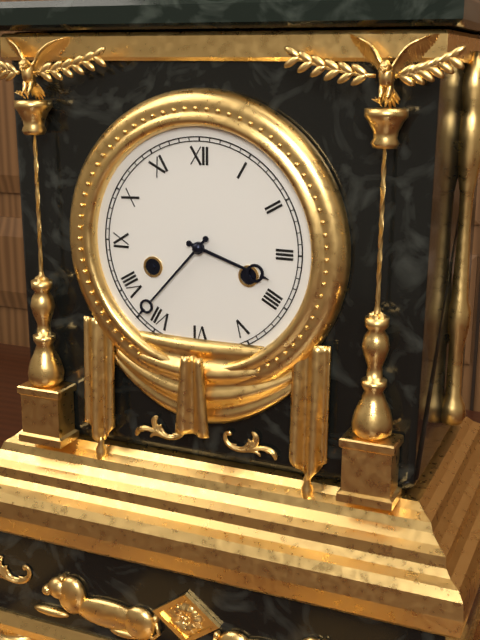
3:37
